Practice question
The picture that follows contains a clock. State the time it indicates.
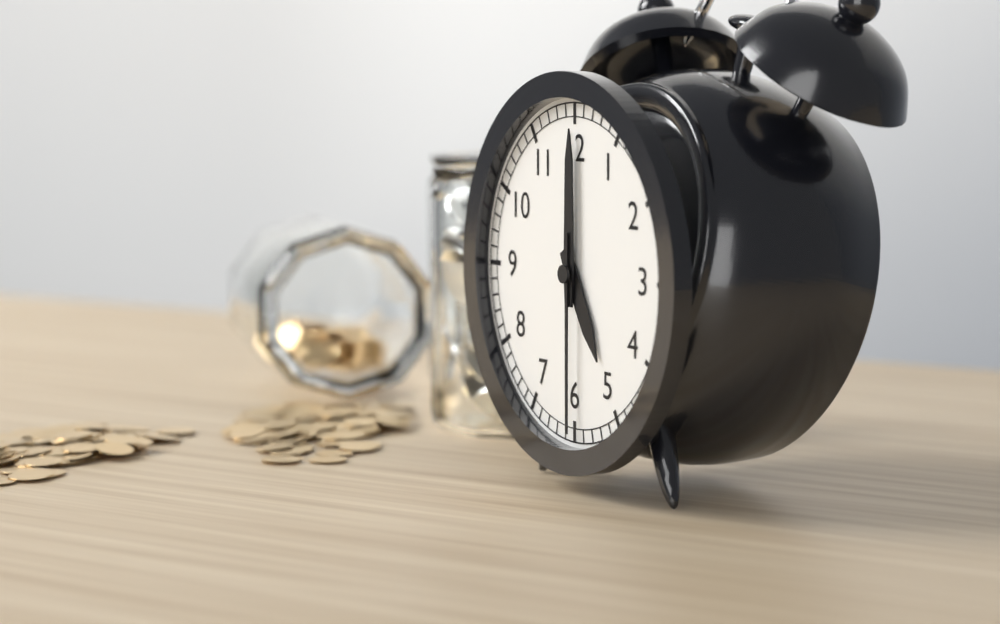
5:00:30
